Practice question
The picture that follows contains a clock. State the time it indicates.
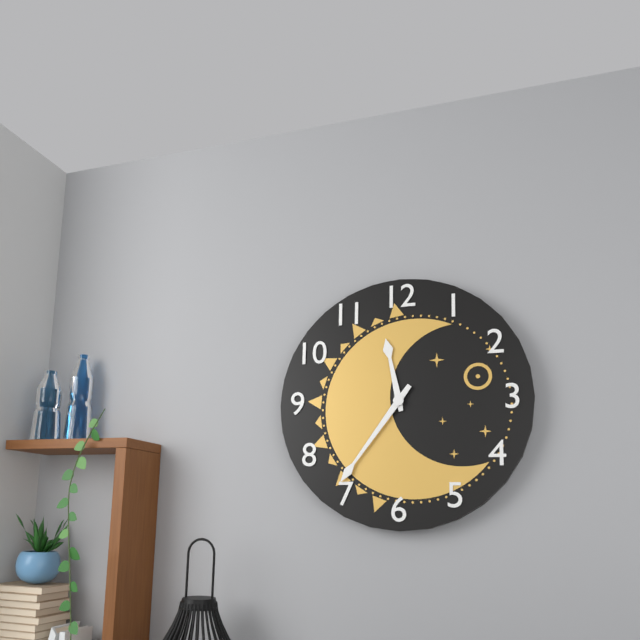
11:36
